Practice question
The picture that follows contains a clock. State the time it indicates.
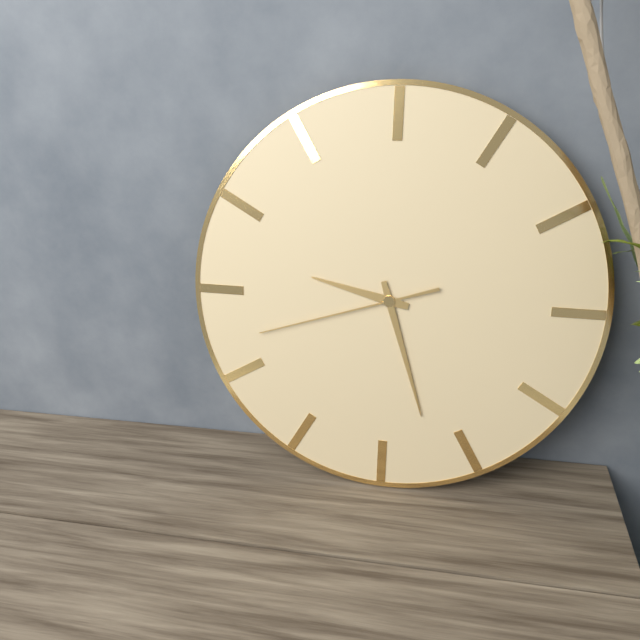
9:27:42
